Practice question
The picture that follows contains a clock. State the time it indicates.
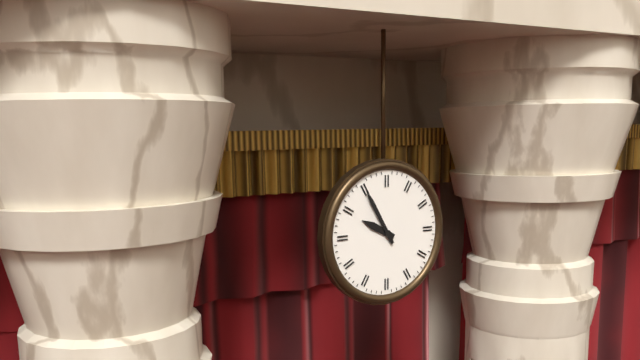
9:55
